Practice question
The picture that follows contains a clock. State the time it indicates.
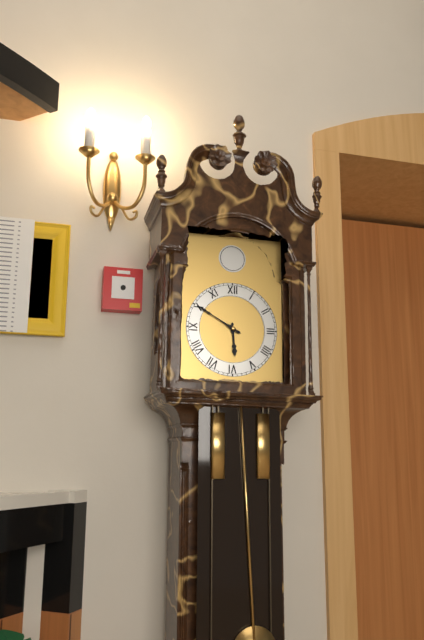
5:50
